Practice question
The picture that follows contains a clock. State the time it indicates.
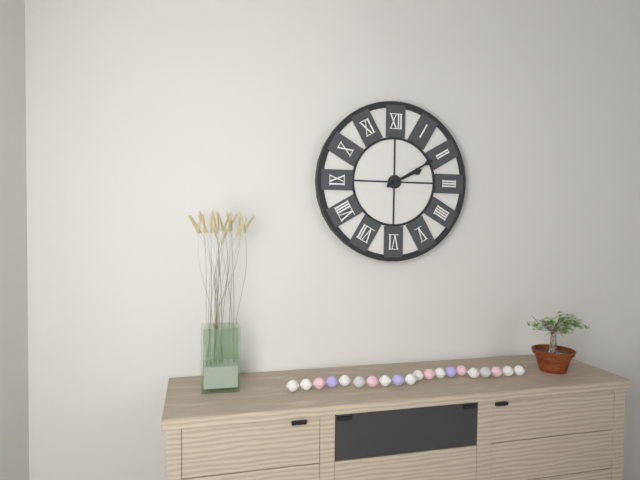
2:10
